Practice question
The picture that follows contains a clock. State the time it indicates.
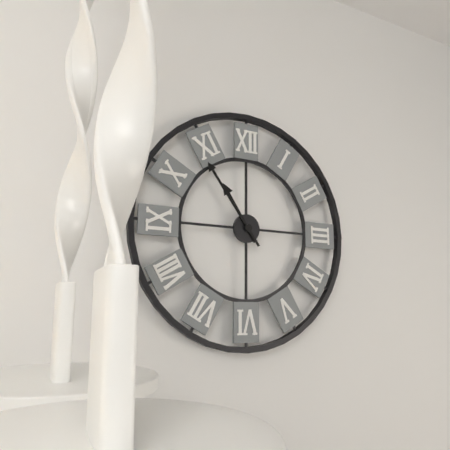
10:54
